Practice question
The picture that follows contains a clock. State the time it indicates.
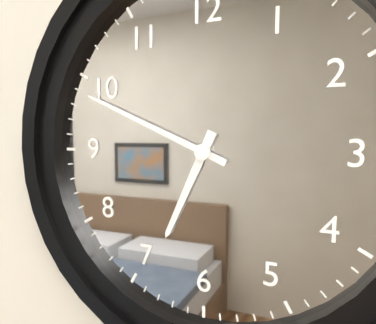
6:49
